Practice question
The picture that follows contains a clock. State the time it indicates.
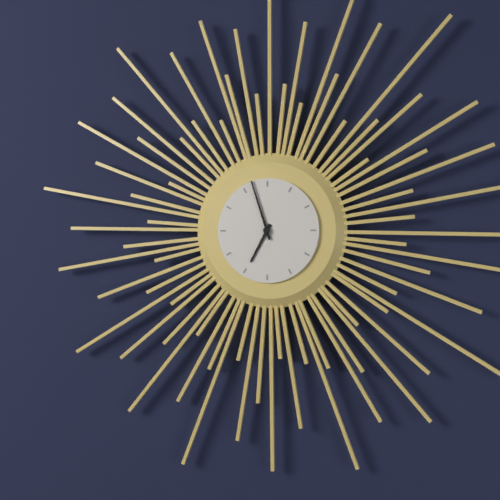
6:57
